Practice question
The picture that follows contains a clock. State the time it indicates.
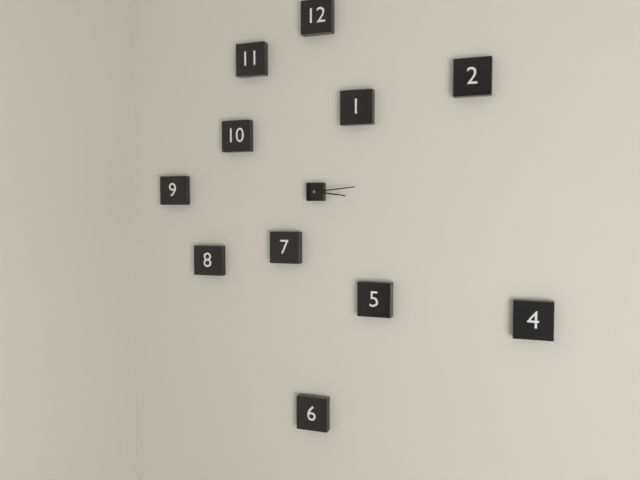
3:14
